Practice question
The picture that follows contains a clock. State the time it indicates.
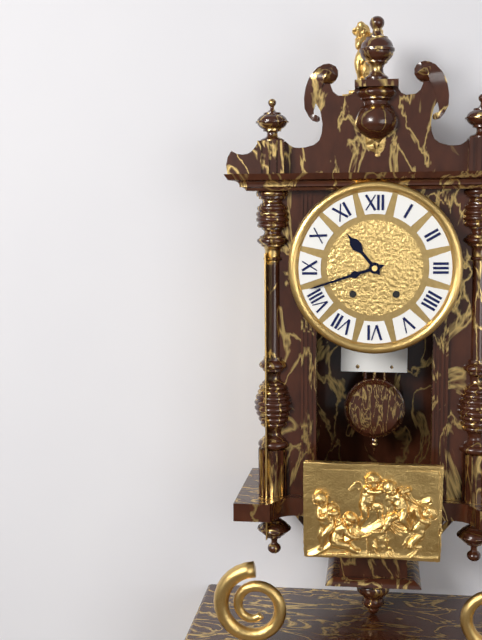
10:42
